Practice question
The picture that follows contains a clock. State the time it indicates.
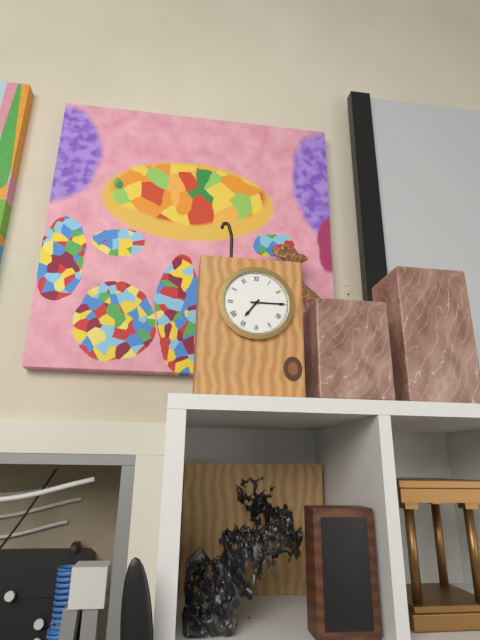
7:15
